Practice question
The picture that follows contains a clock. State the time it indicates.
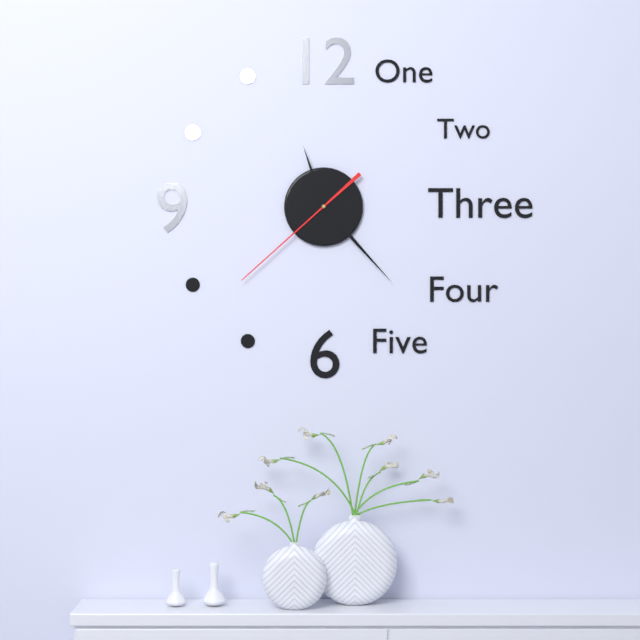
11:23:38
